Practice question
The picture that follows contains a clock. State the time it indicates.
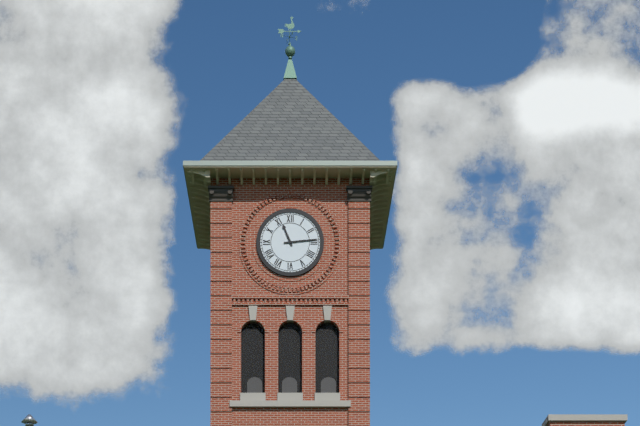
11:14
